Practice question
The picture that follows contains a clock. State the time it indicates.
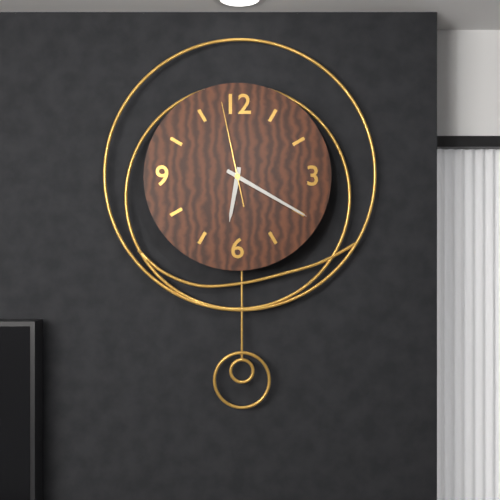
6:20:58
